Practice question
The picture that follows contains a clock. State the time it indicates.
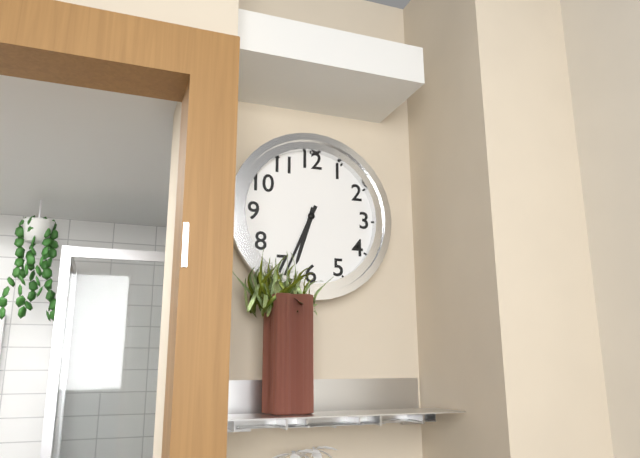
6:34
